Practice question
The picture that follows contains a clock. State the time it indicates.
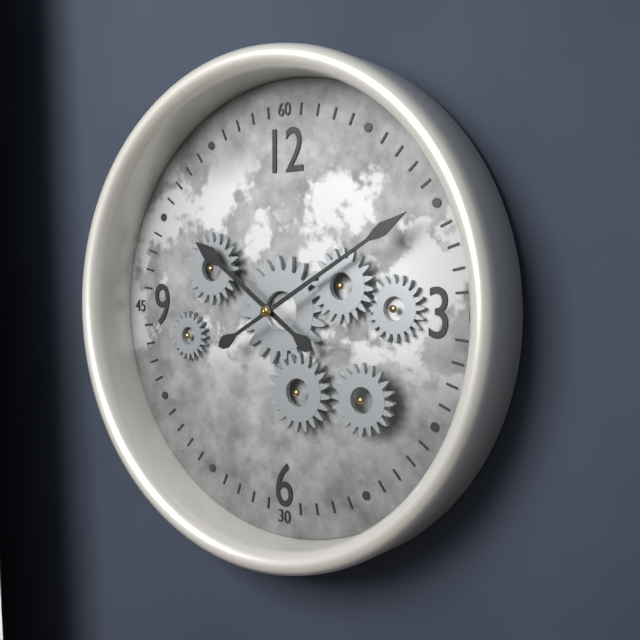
10:10
